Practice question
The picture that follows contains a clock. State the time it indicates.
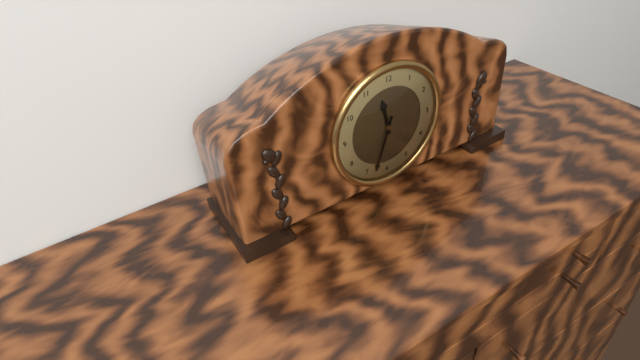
11:33
